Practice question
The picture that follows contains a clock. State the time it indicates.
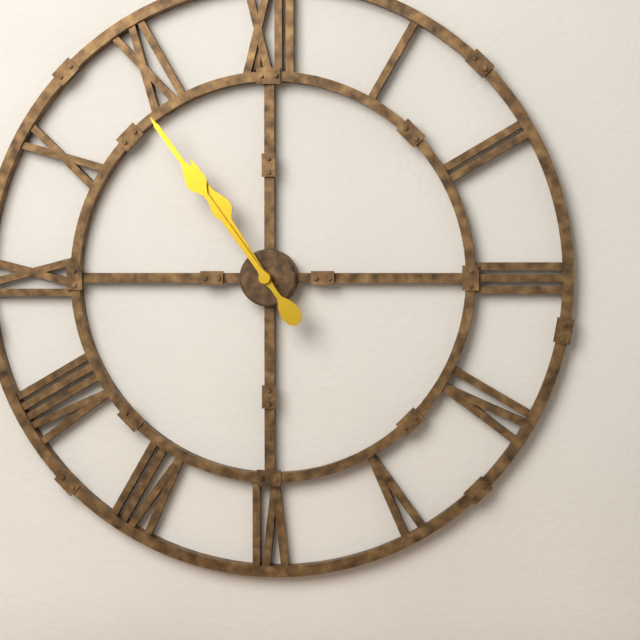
10:54
